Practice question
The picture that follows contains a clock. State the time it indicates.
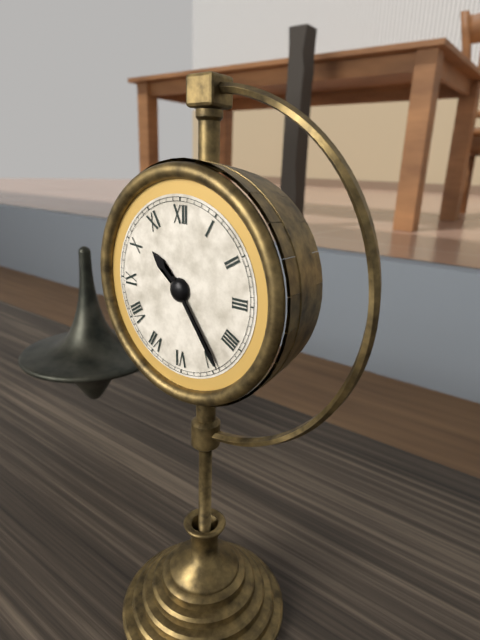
10:24
